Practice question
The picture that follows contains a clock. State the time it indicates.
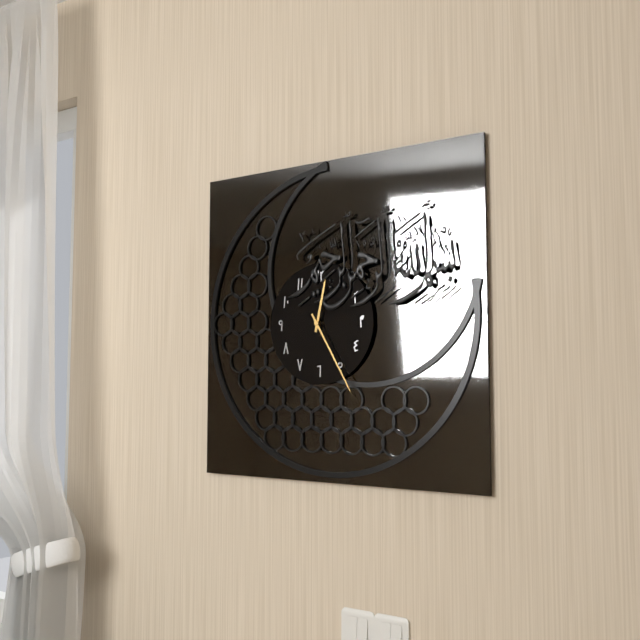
12:25
